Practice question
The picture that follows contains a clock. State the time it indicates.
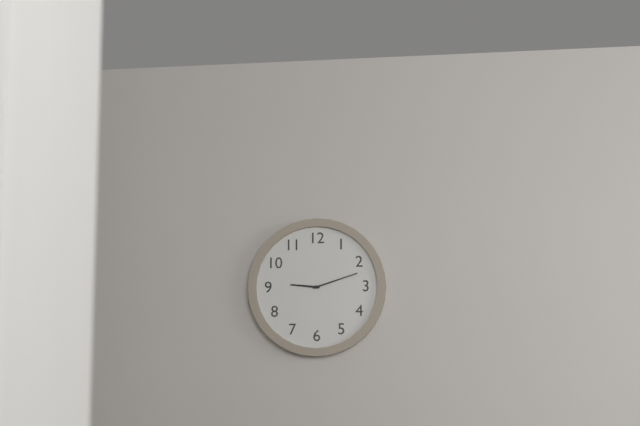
9:12
